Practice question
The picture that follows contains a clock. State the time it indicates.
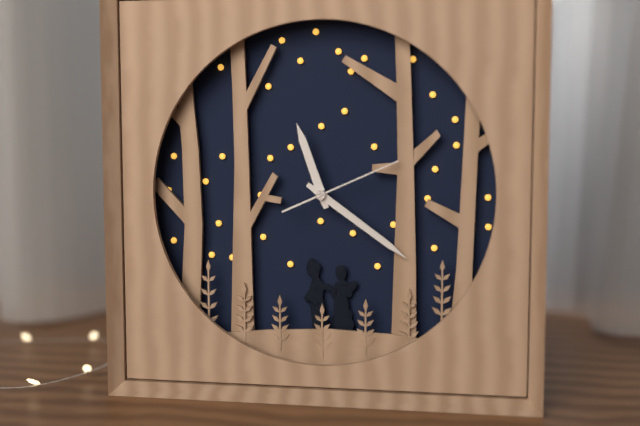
11:21:11
